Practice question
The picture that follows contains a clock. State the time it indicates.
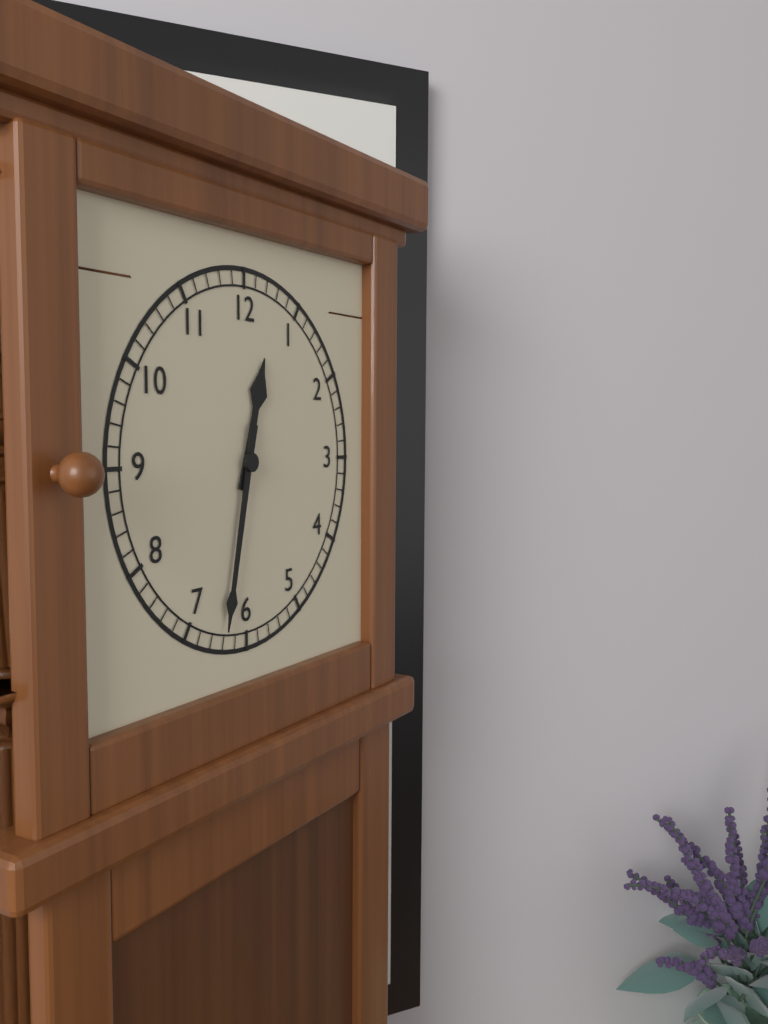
12:32
